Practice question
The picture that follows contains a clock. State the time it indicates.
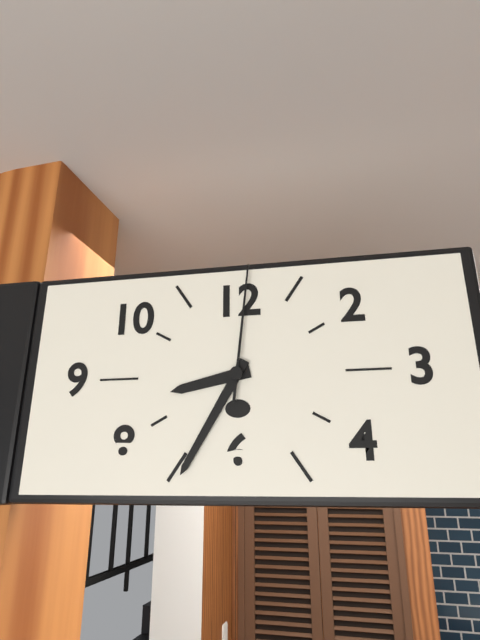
8:35:01
